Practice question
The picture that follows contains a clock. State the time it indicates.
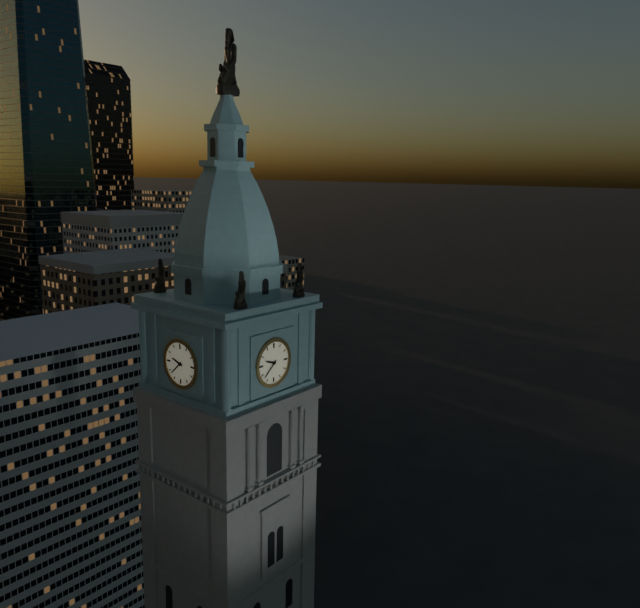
9:38
